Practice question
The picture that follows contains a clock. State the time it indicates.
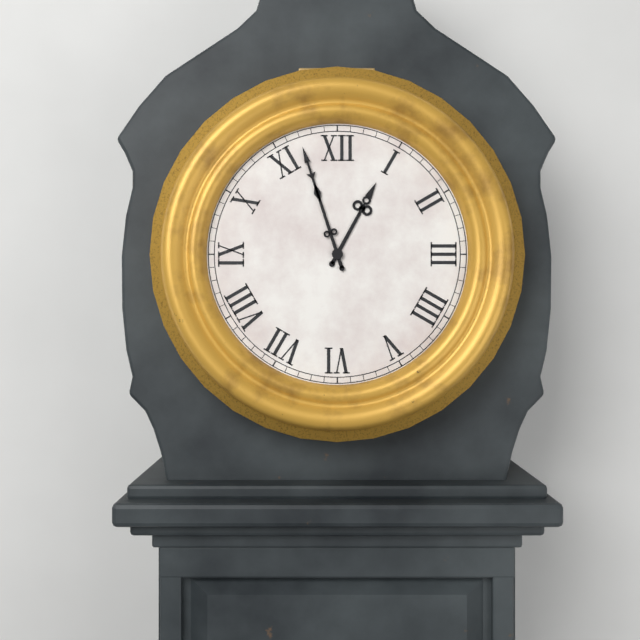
12:57
